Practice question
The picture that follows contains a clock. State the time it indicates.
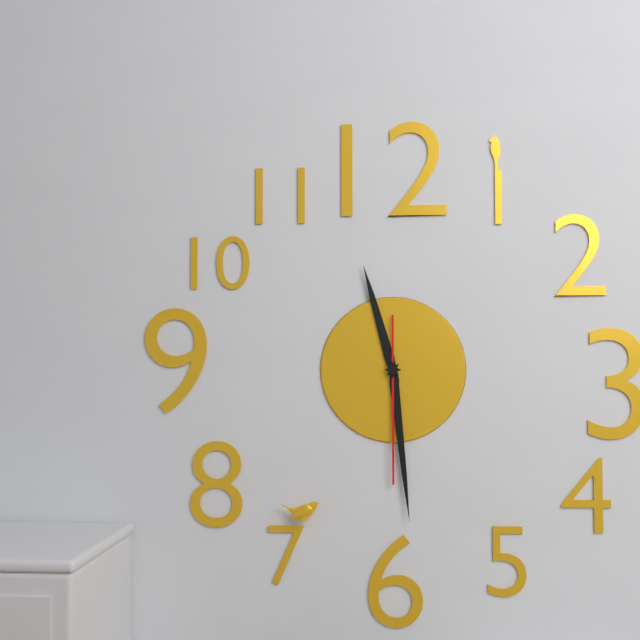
11:29:30
